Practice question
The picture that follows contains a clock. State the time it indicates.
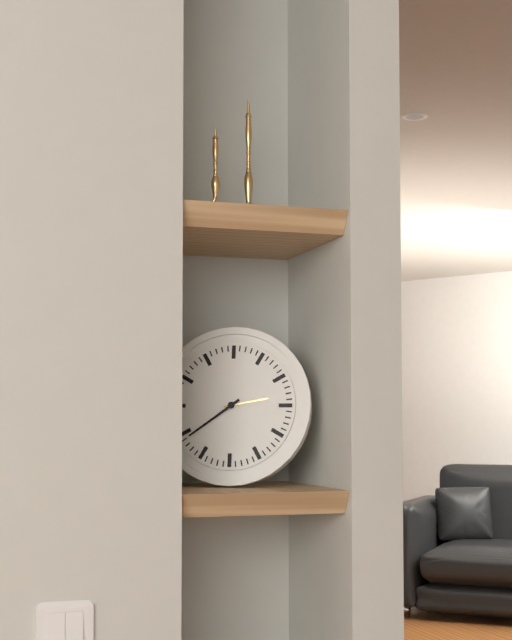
2:39
